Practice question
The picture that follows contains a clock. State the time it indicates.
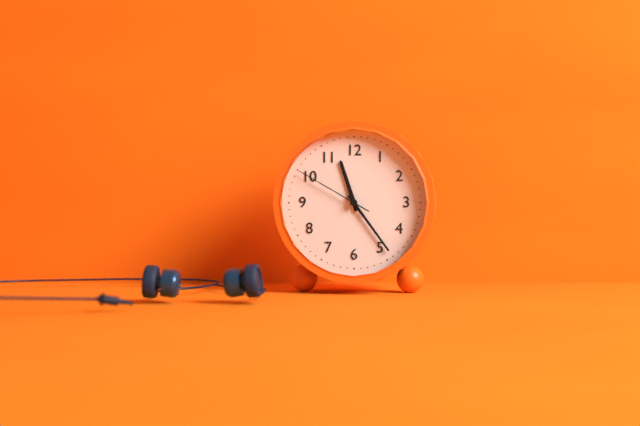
11:24:50
